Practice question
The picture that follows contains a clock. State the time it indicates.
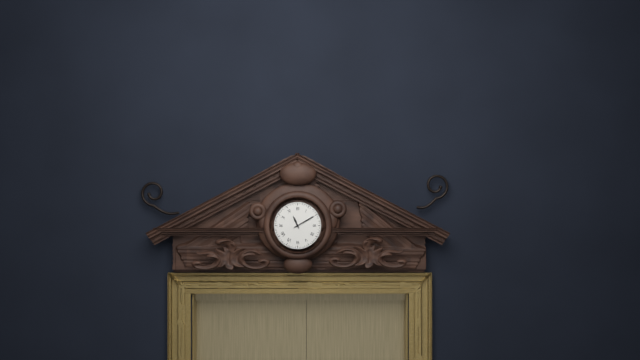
11:10
